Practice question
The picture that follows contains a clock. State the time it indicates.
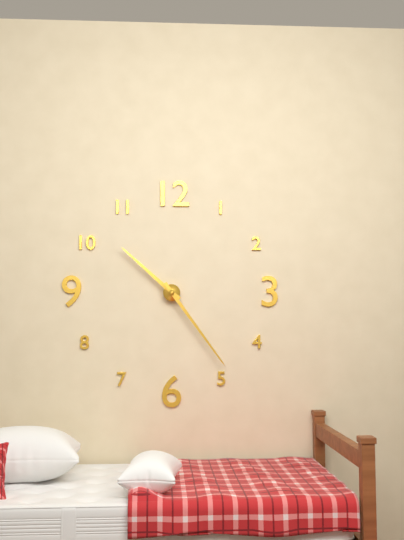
10:24
